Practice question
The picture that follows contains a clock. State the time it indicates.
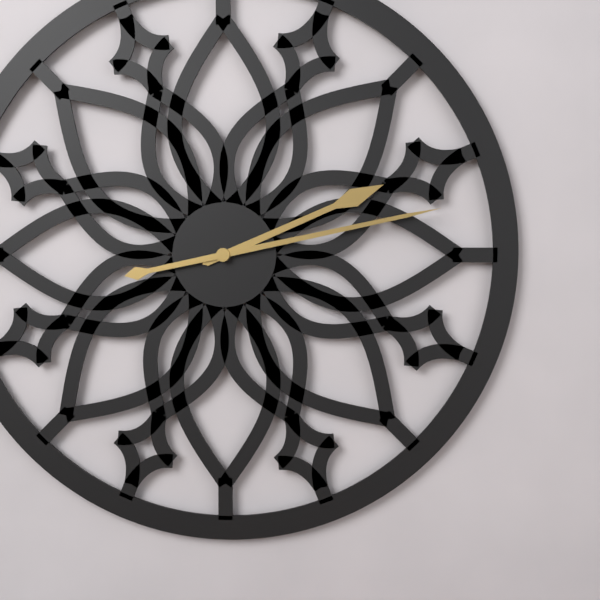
2:13
